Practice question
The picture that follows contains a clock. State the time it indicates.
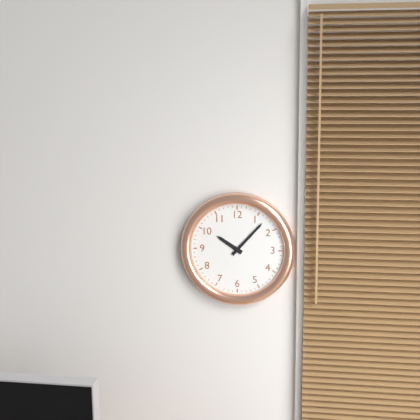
10:07
